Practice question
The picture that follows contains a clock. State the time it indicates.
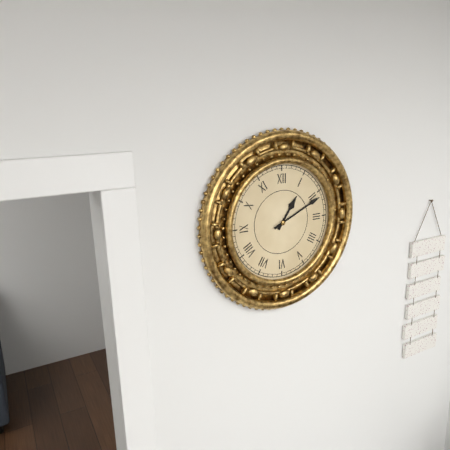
1:11
